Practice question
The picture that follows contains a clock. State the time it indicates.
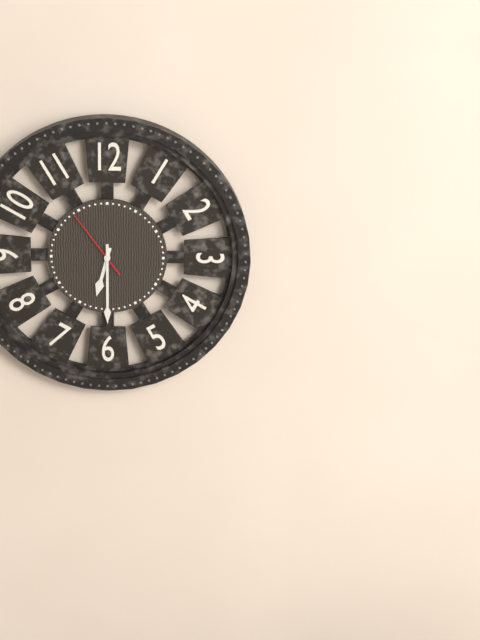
6:30:54
